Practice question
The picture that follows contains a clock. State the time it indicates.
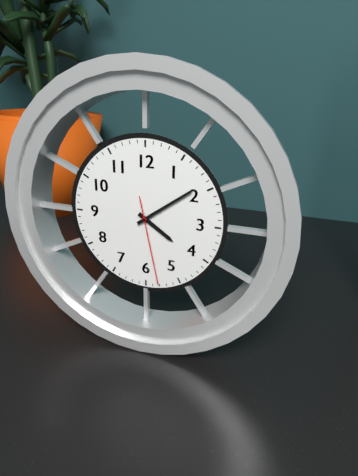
4:09:28
